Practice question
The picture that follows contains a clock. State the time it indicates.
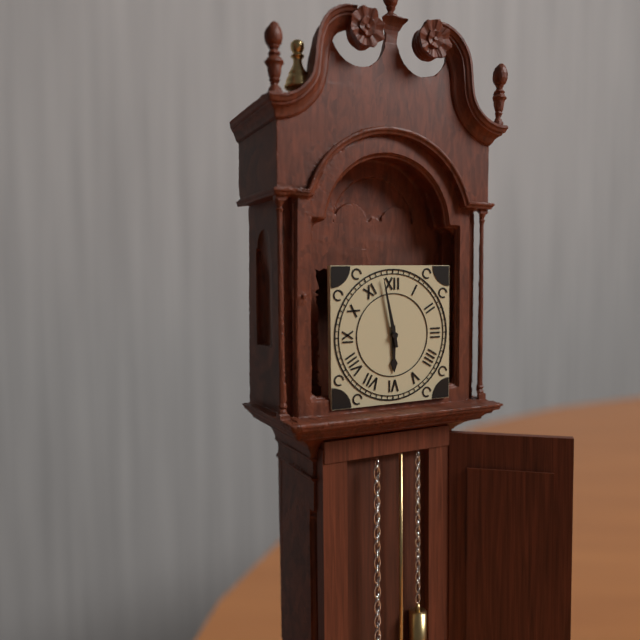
5:58
